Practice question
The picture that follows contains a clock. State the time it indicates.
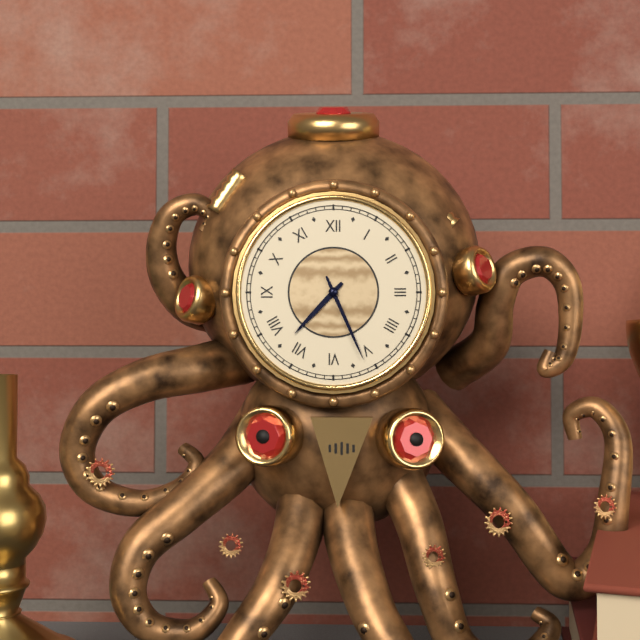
7:26
